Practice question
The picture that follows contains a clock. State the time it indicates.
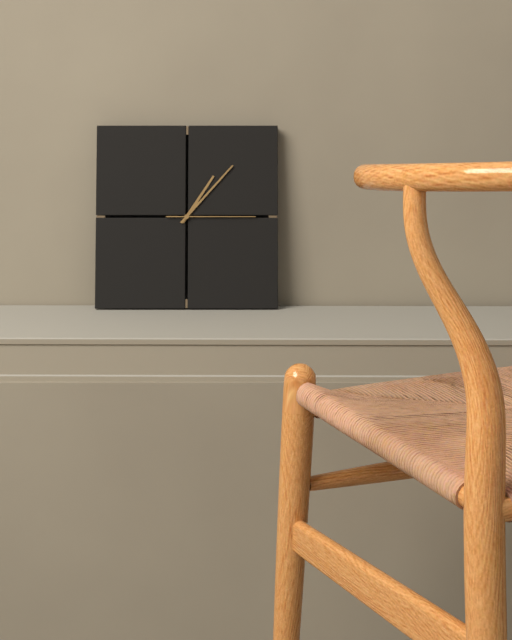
1:07:15
